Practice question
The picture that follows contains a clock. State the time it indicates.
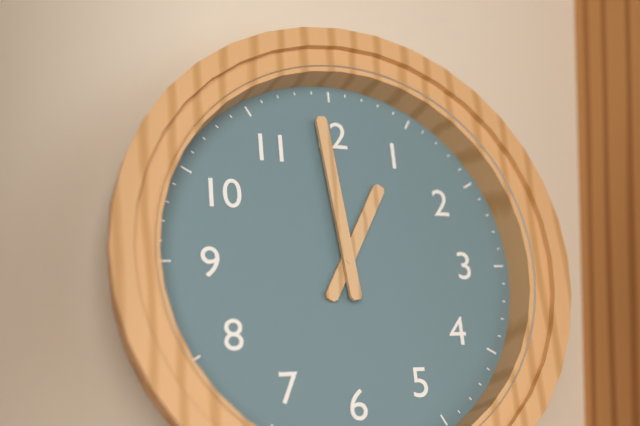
12:59
